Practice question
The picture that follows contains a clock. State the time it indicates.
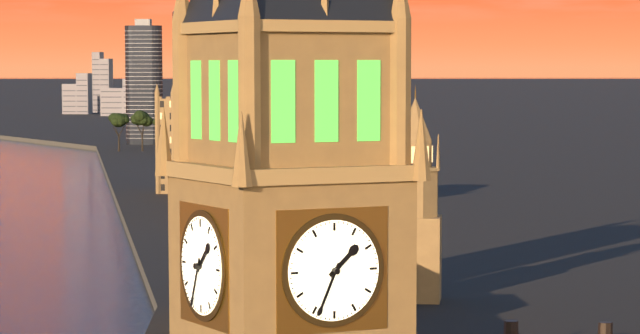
1:34
